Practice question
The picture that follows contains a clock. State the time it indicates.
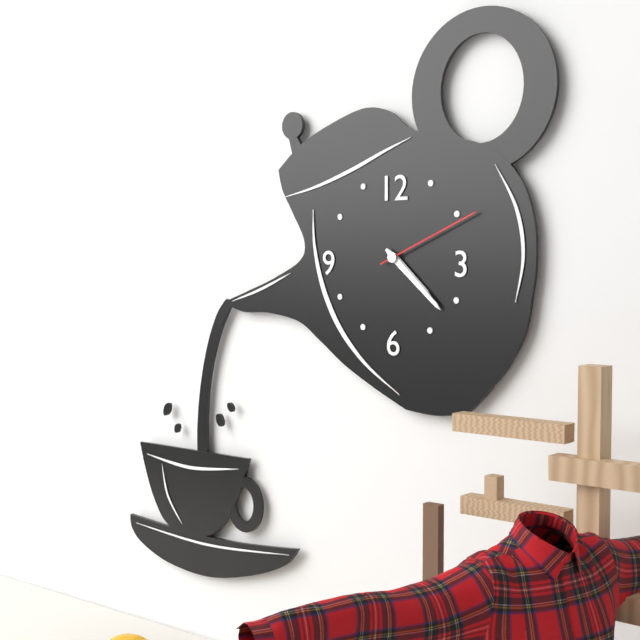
4:22:11
